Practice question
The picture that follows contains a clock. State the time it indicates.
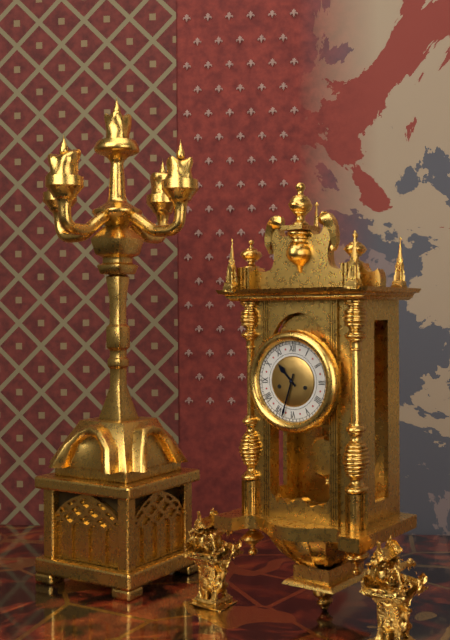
10:33
